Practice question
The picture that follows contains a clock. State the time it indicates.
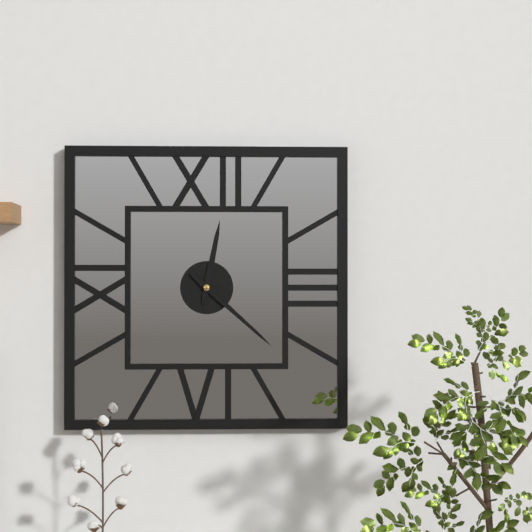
12:22
